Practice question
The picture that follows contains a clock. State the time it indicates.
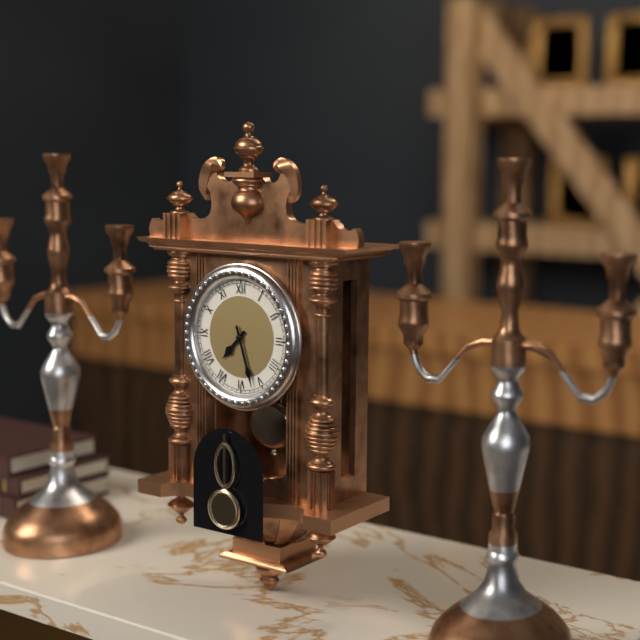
7:27
